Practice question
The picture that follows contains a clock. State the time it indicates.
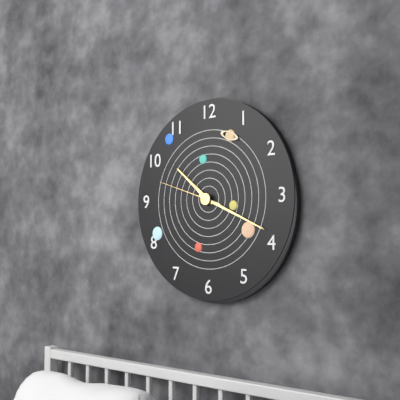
10:19:48
